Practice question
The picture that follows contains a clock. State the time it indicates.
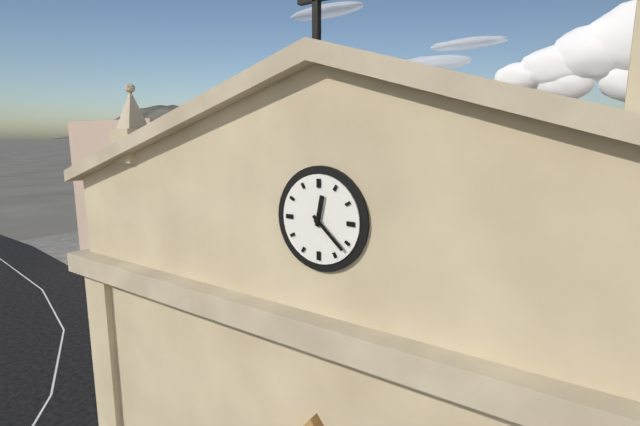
12:22
